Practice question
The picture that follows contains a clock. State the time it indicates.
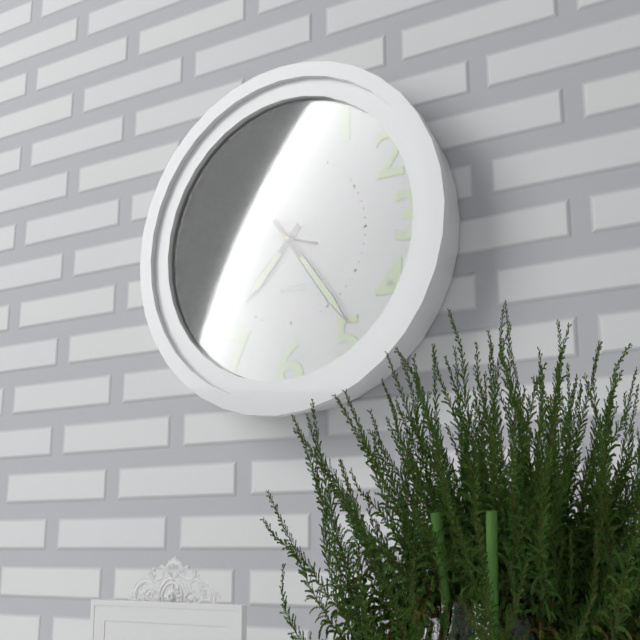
7:24:48
